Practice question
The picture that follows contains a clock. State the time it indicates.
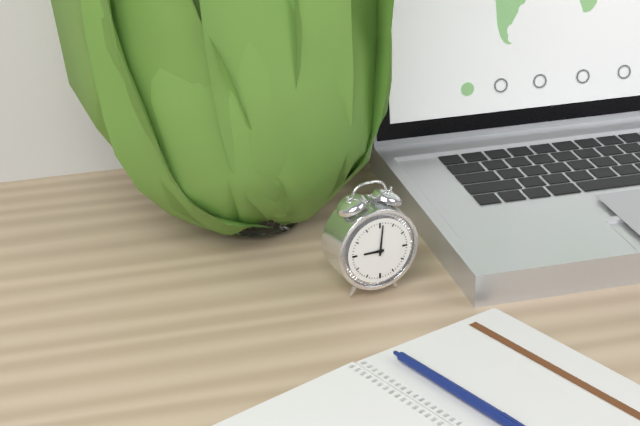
9:01
